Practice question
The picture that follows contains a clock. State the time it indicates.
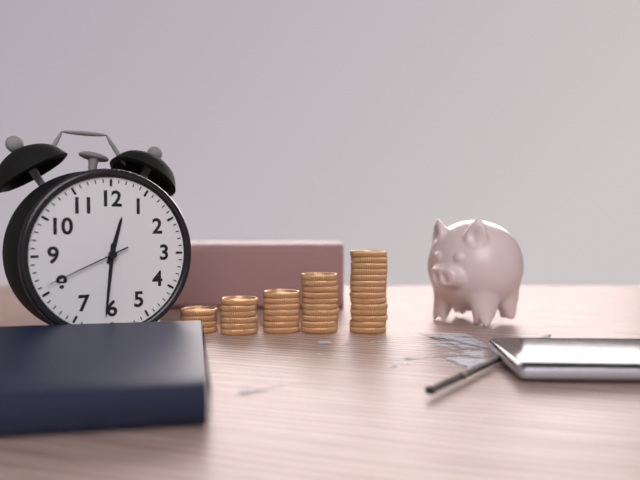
12:31:41
